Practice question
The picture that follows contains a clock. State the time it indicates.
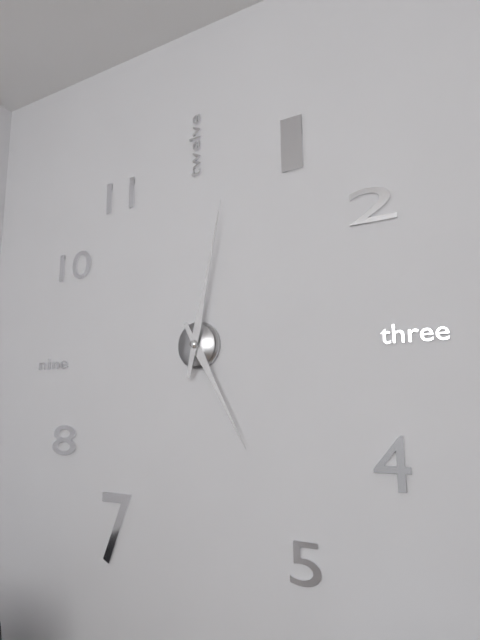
5:02
